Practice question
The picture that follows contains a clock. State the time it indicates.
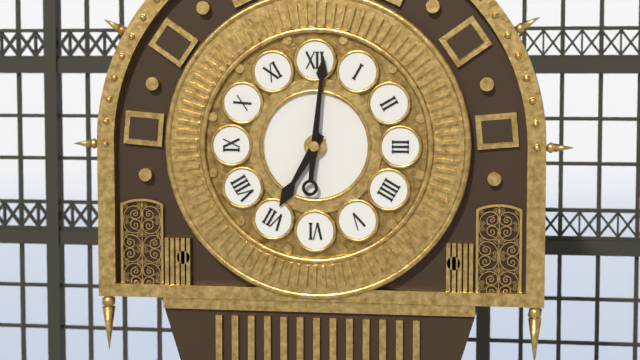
7:01
